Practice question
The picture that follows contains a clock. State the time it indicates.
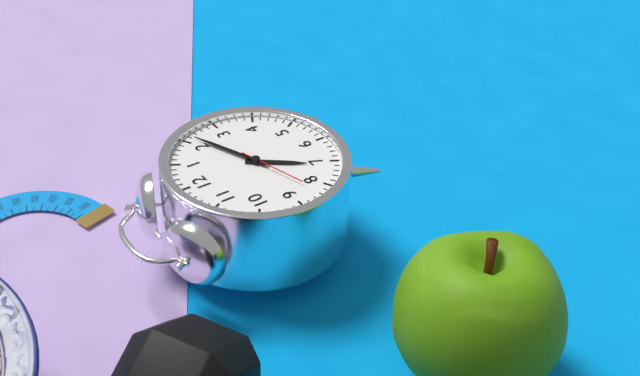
7:11:42
